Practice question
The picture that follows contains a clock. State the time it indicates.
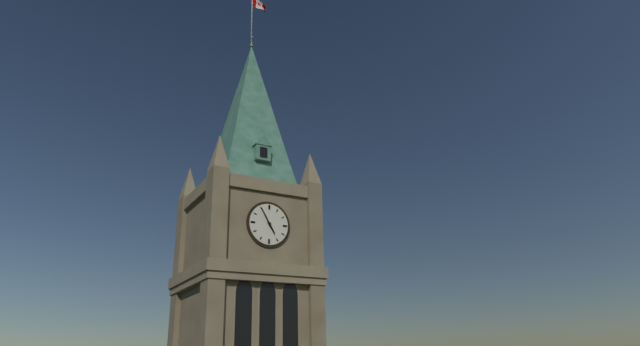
4:55
